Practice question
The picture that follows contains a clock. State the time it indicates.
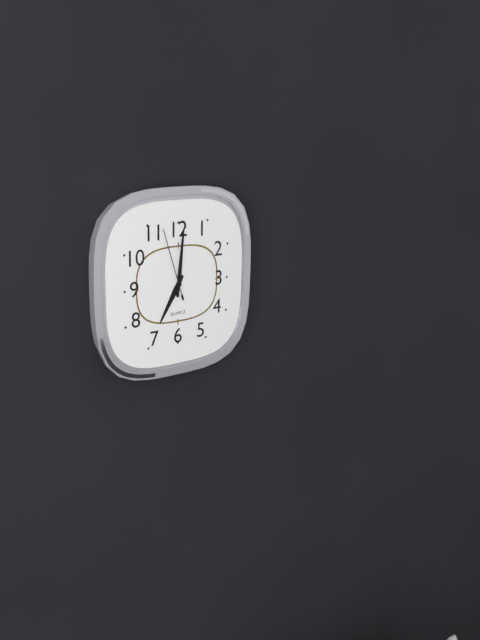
7:01:57
